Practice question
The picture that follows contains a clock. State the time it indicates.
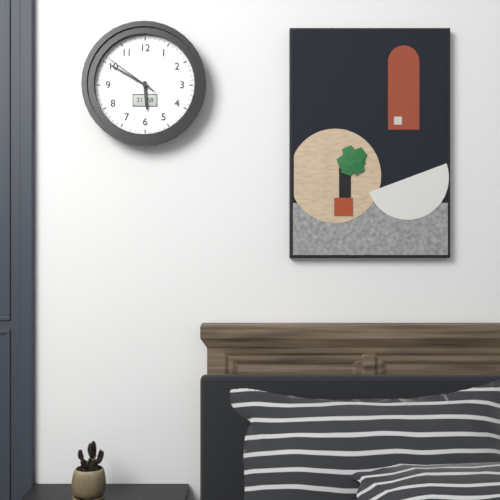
5:50:51
